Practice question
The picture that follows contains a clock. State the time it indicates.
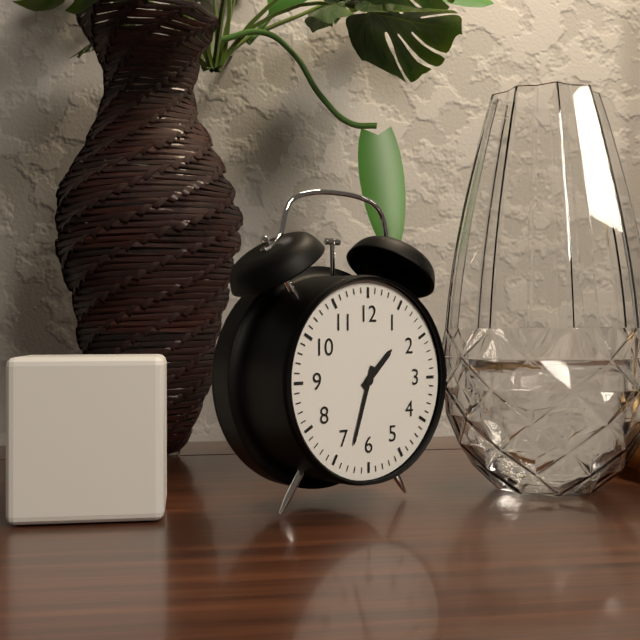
1:33
